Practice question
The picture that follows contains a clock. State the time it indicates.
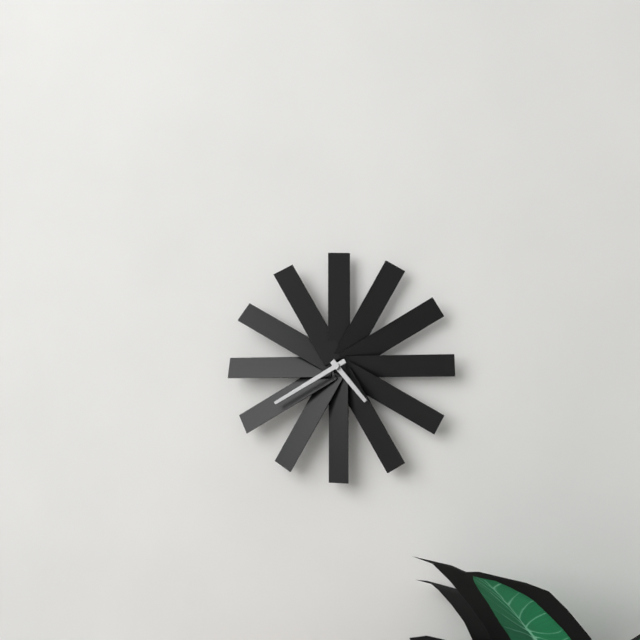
4:40
